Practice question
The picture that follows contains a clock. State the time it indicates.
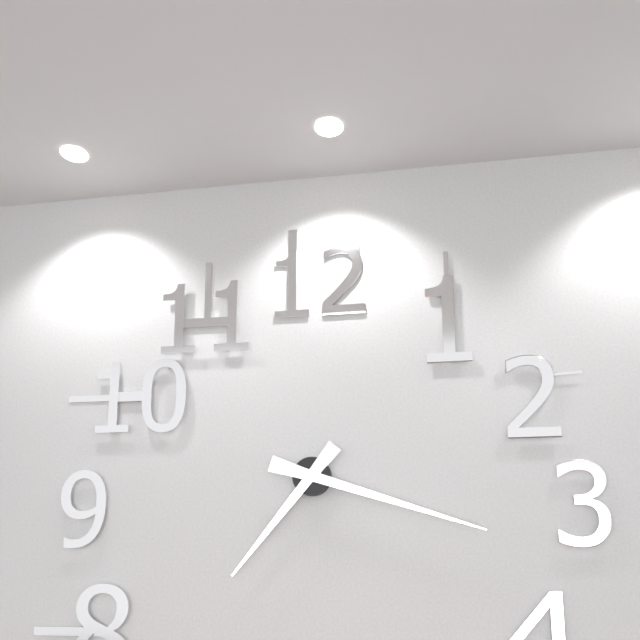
7:18
